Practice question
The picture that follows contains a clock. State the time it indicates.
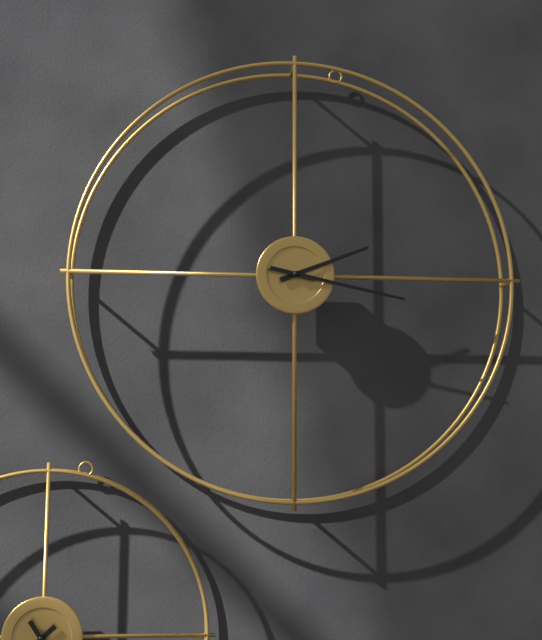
2:17
